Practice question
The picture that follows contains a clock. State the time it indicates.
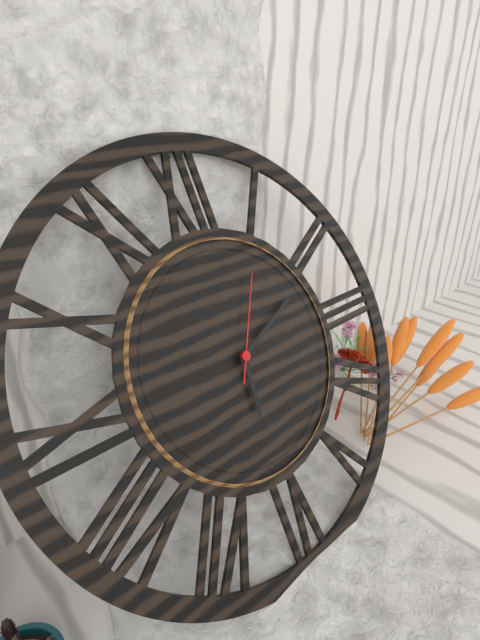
6:11:05
